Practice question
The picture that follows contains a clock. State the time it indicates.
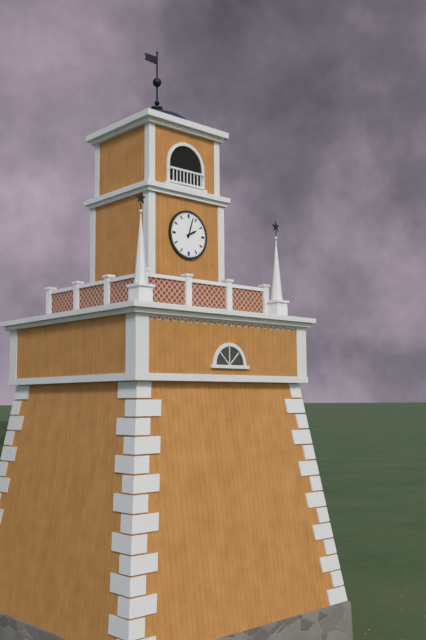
2:03
